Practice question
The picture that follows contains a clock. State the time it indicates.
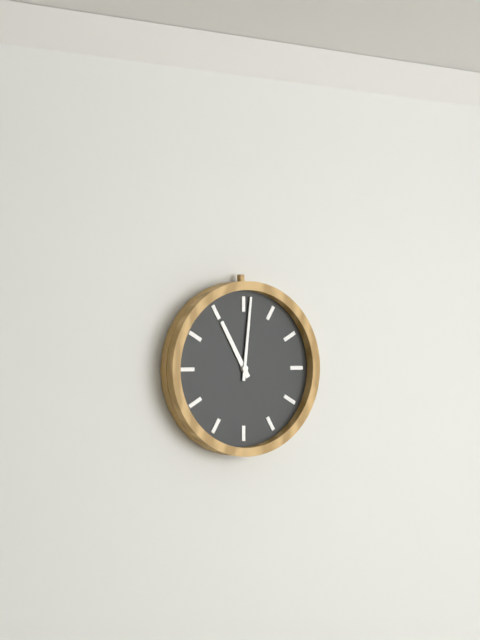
11:01
